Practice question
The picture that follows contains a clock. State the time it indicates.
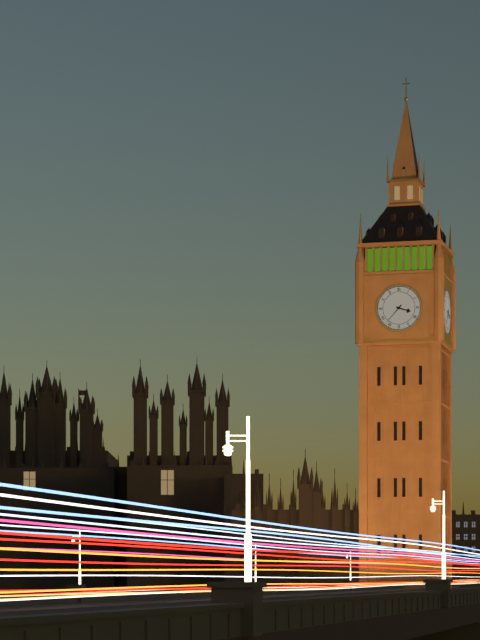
3:37
